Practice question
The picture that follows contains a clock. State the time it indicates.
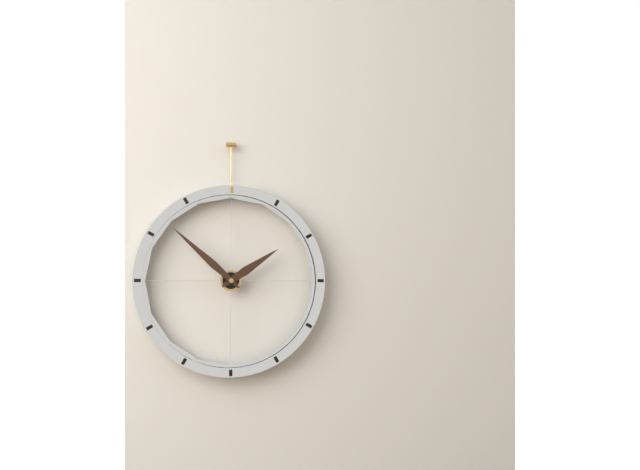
1:52
